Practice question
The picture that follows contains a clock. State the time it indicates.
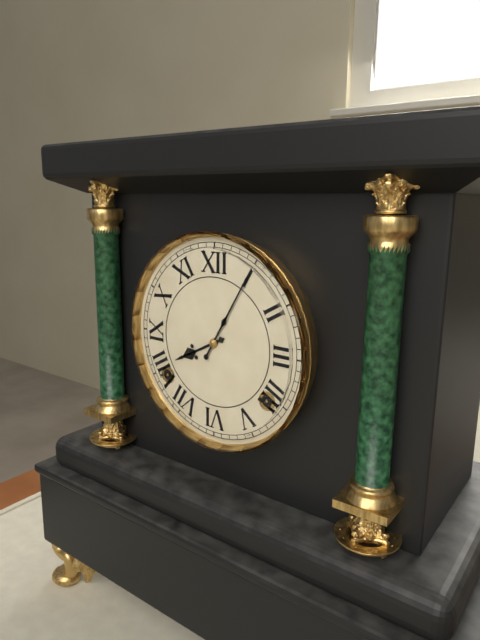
8:05
